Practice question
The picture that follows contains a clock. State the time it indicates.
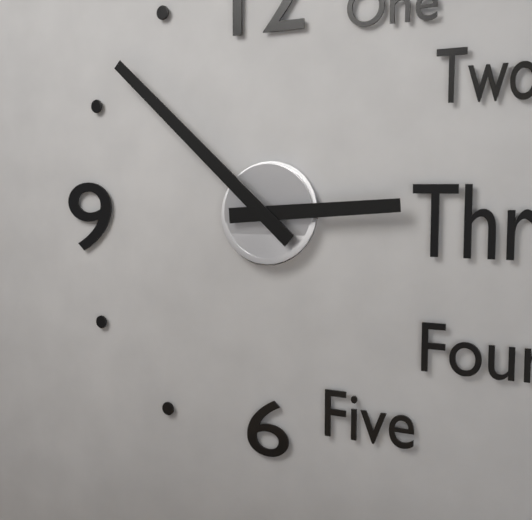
2:52
